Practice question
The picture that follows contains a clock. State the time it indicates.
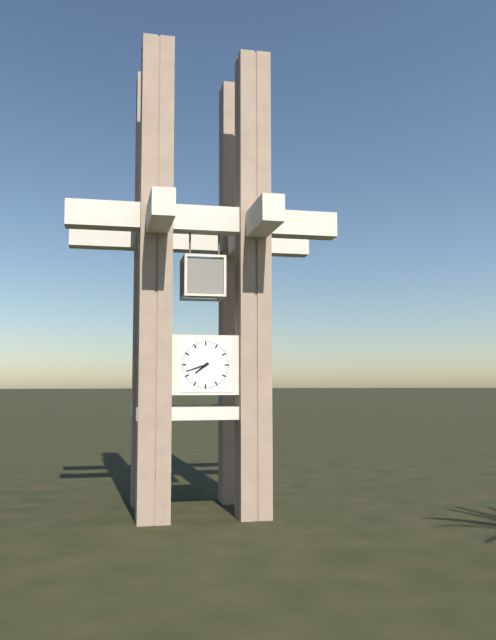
7:42
